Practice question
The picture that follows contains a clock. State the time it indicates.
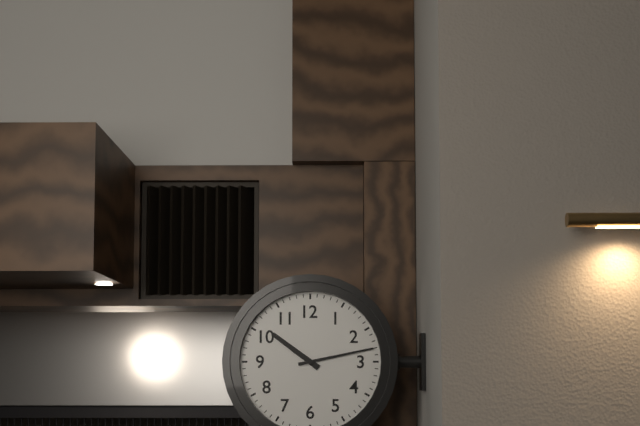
10:13
